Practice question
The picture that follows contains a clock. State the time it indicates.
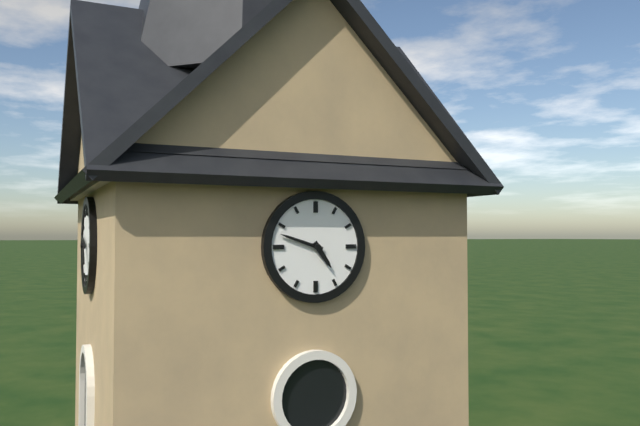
4:48
